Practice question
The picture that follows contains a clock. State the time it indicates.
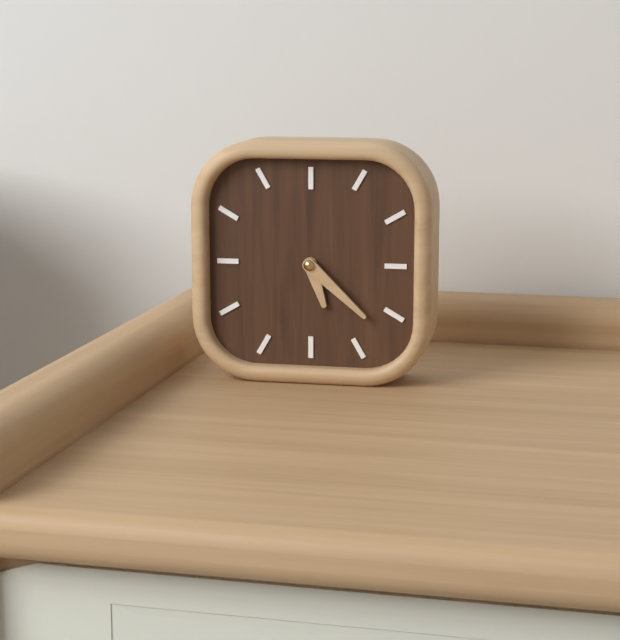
5:22
